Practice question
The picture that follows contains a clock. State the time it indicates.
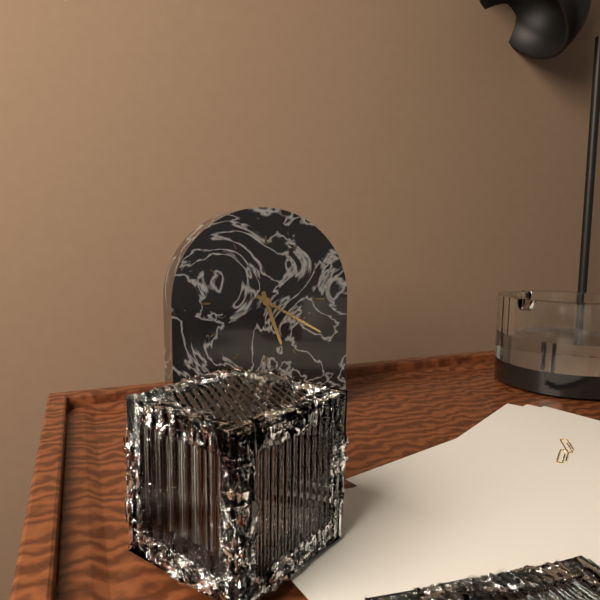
5:20
